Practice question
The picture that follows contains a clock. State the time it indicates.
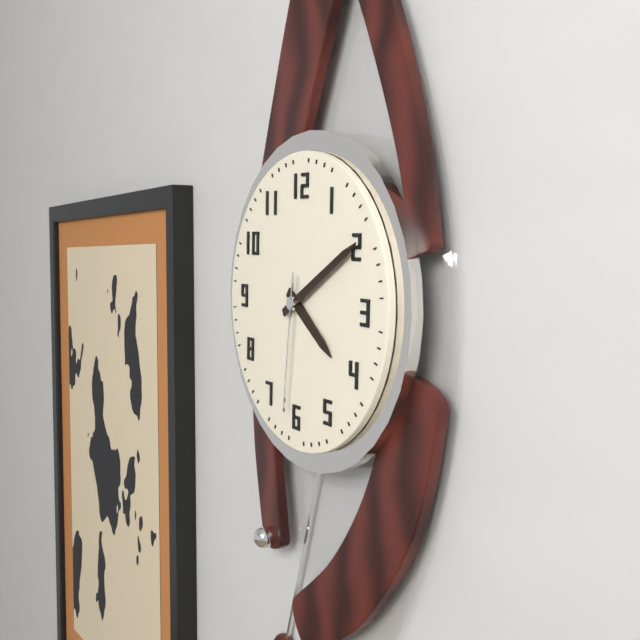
4:10:31
